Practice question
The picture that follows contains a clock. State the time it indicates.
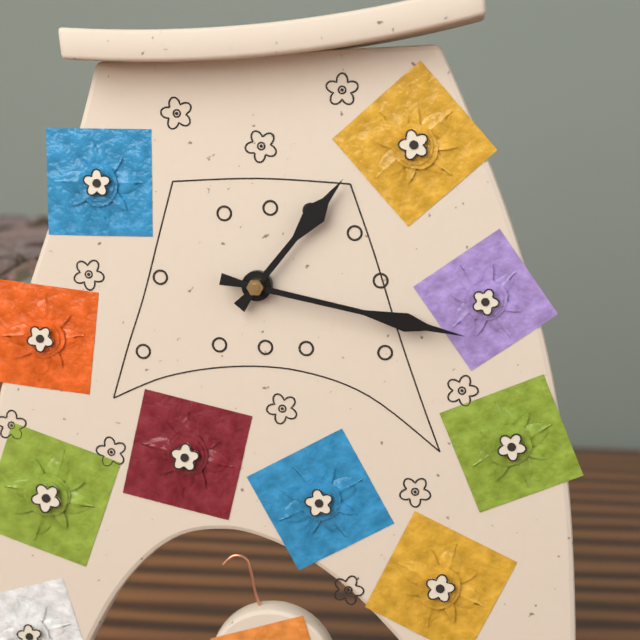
1:17
